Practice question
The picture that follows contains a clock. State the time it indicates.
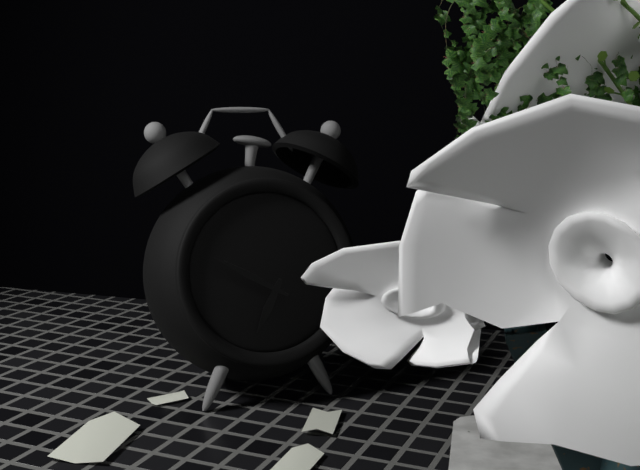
6:50
